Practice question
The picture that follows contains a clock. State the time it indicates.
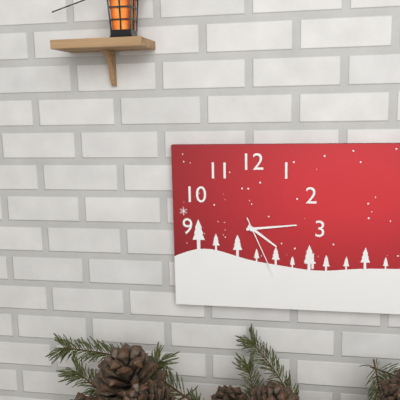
4:14:26
